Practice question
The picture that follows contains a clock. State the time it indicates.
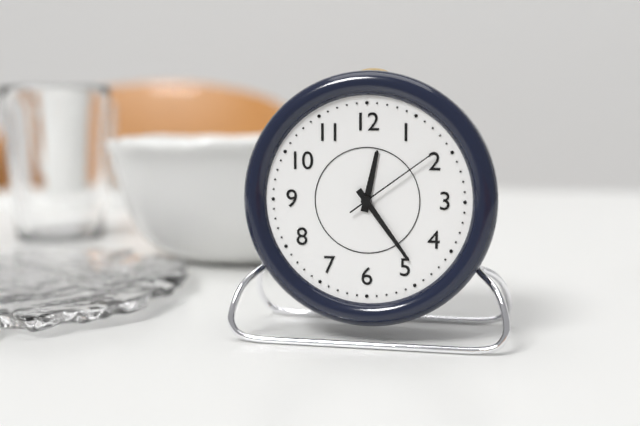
12:24:09
